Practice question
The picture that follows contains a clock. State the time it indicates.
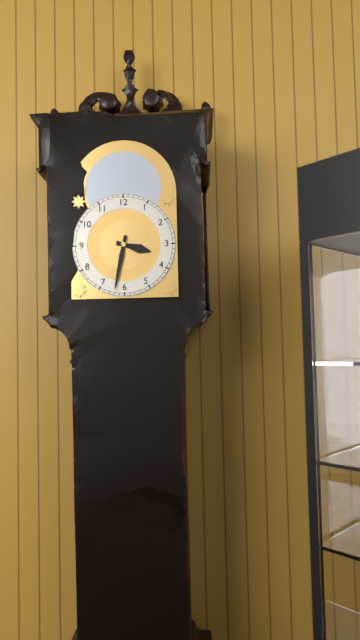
3:32
